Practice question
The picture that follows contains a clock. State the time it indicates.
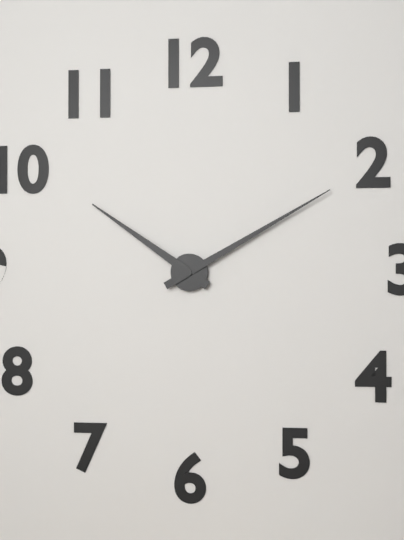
10:10
